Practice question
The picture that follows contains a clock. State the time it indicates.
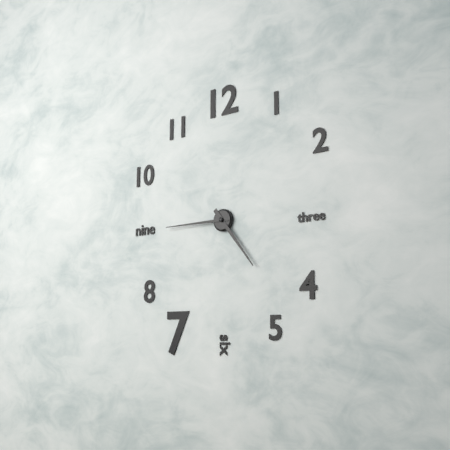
4:45
